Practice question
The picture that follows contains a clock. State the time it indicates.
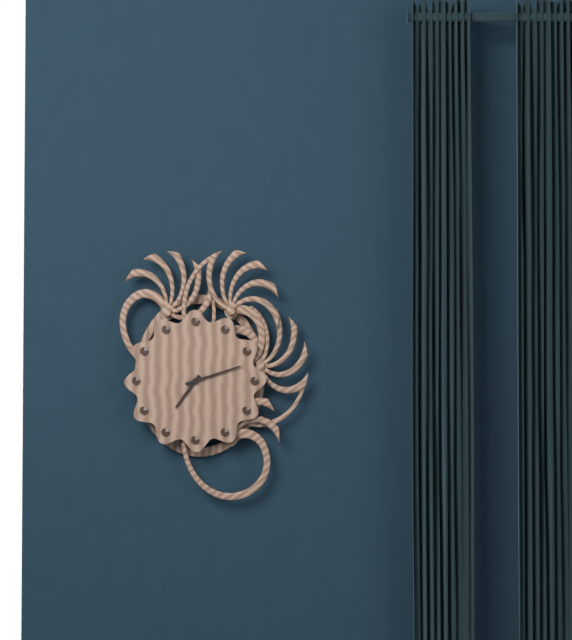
7:12
